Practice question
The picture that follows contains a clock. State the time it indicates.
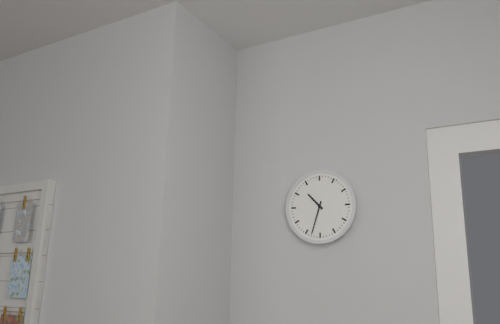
10:33
